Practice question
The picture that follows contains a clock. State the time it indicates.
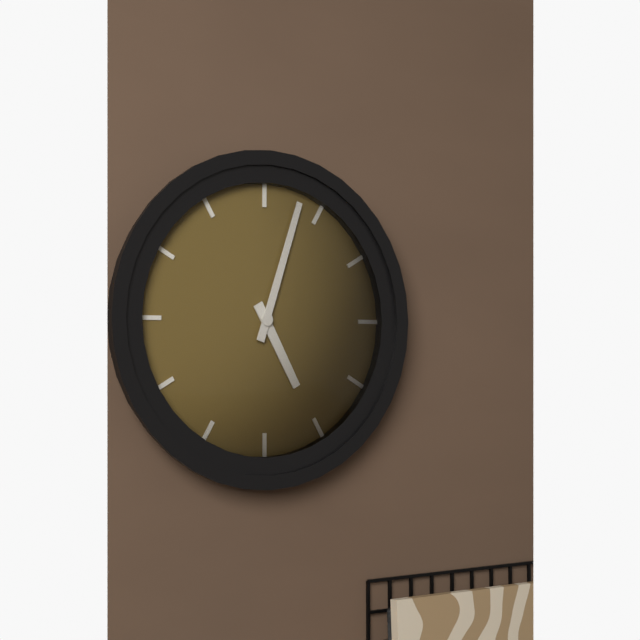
5:03
